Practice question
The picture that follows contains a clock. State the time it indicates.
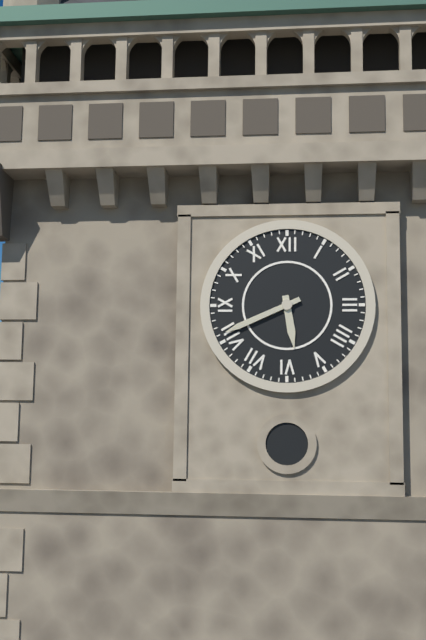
5:41
